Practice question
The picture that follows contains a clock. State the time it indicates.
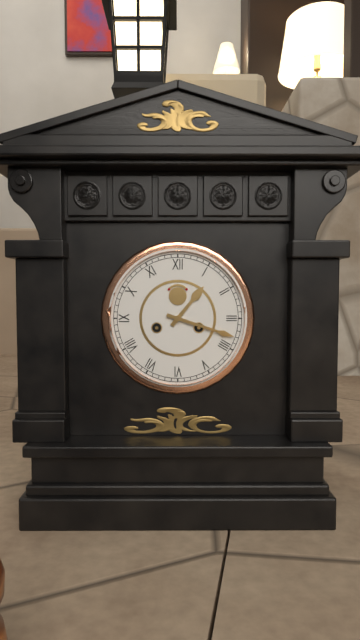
1:18
